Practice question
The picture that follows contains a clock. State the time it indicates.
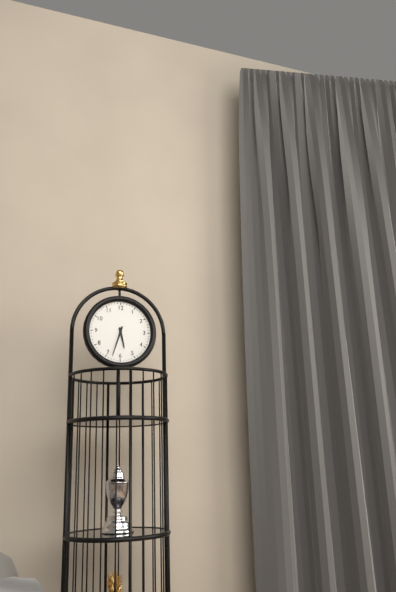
5:33
